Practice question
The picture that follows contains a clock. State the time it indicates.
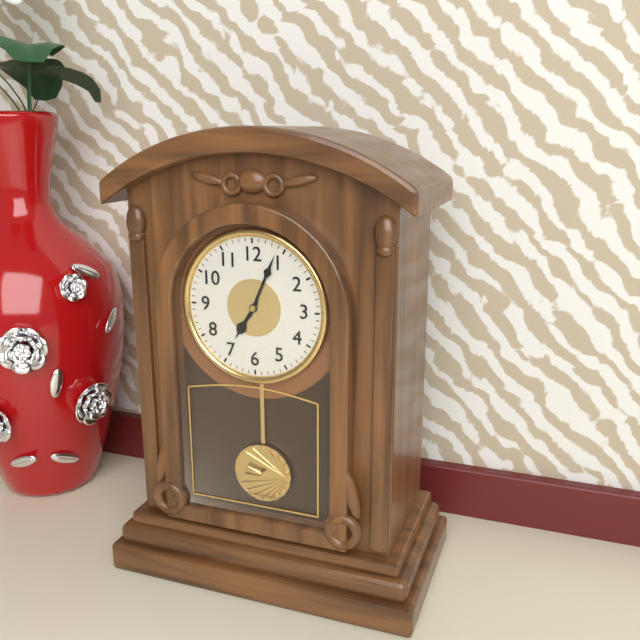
7:04
